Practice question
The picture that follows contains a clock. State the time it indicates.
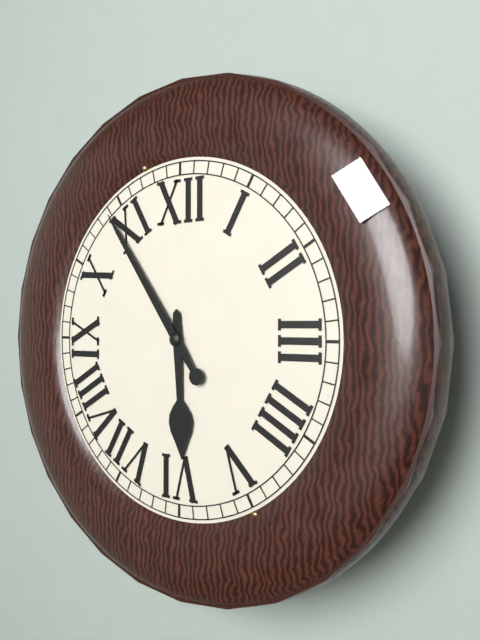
5:54
